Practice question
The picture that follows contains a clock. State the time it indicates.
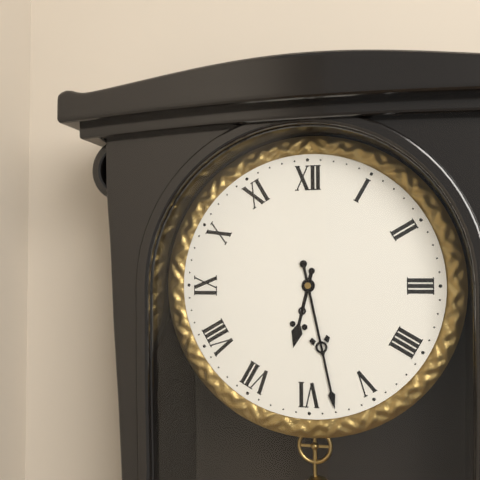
6:28
